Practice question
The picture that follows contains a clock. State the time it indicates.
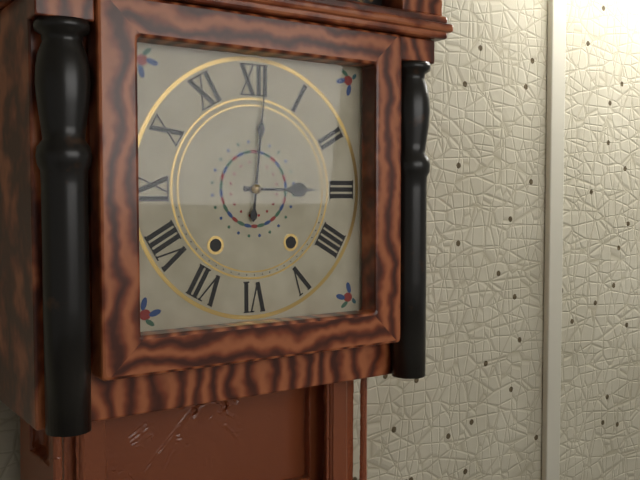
3:01
